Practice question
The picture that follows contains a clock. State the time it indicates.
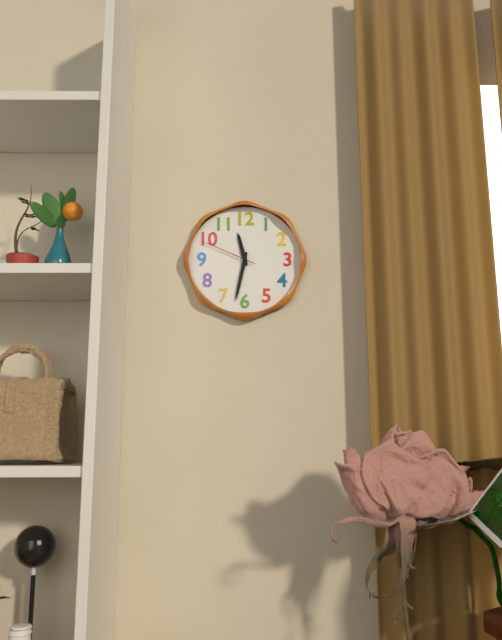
11:32:49
